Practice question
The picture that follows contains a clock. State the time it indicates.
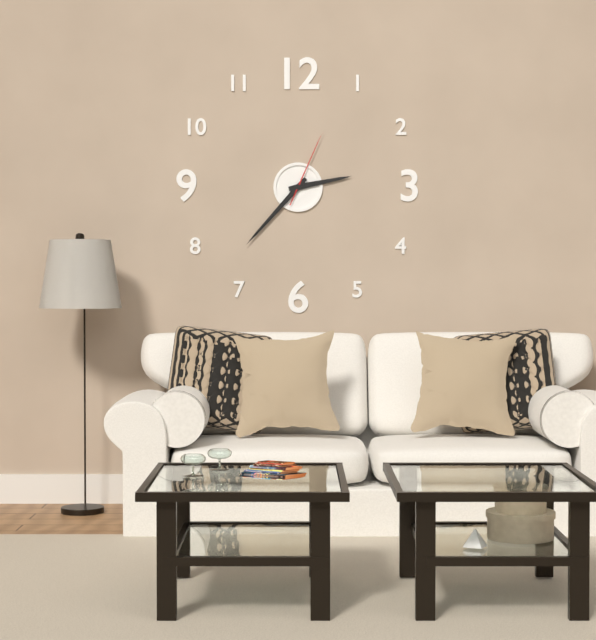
2:37:04
